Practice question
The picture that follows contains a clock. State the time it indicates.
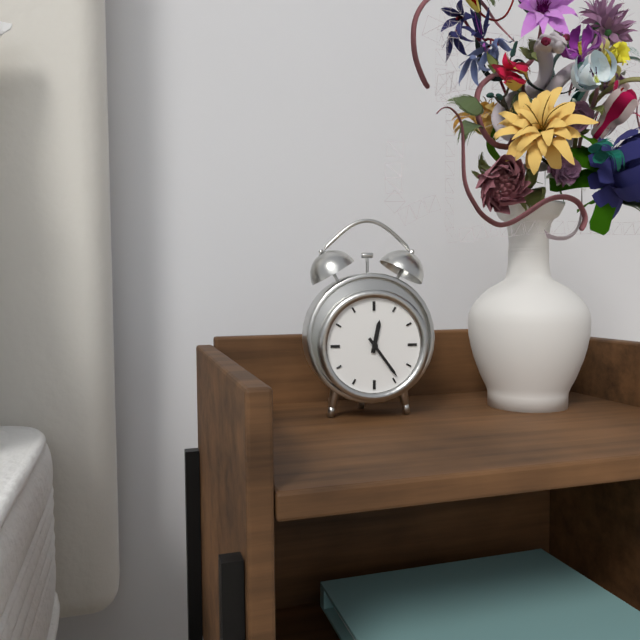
12:24
